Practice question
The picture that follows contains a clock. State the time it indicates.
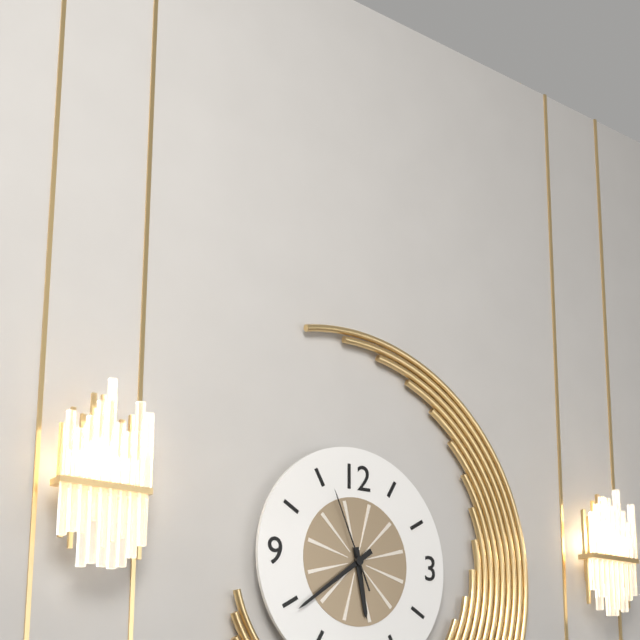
5:39:56
